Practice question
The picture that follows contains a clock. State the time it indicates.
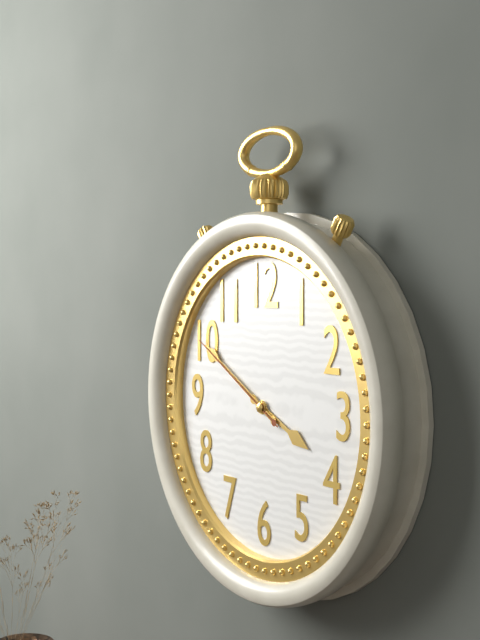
3:50:50
